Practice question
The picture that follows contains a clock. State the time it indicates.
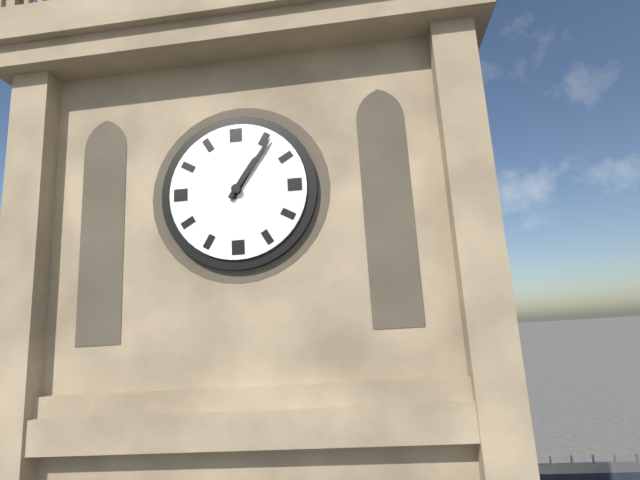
1:06
